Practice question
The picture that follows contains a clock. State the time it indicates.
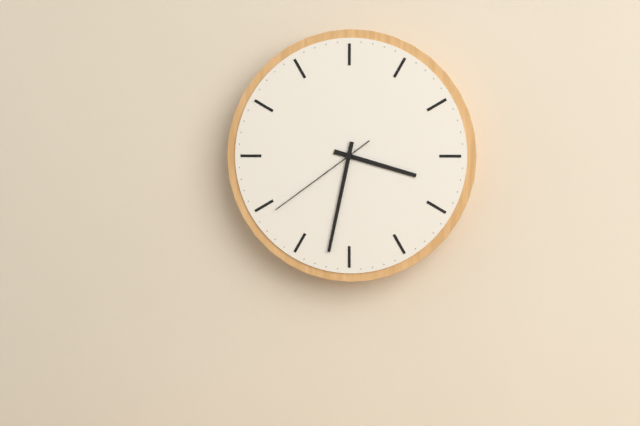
3:32:39
